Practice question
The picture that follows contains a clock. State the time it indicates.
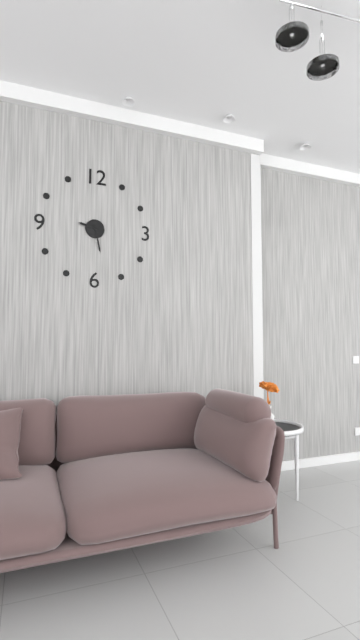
9:28
